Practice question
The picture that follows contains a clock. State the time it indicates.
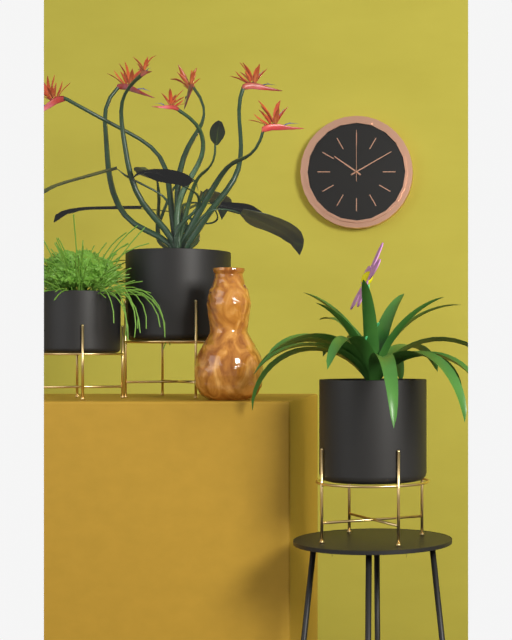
10:10:00
